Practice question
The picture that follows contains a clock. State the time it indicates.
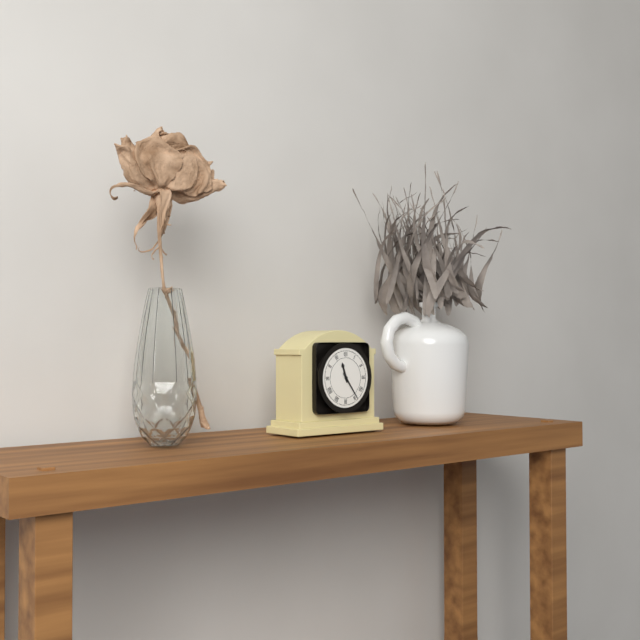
11:24
